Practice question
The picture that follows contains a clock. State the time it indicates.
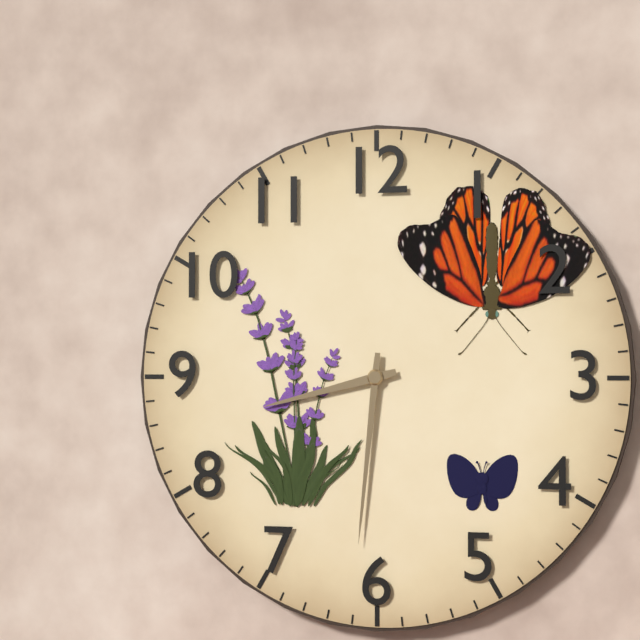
8:31
